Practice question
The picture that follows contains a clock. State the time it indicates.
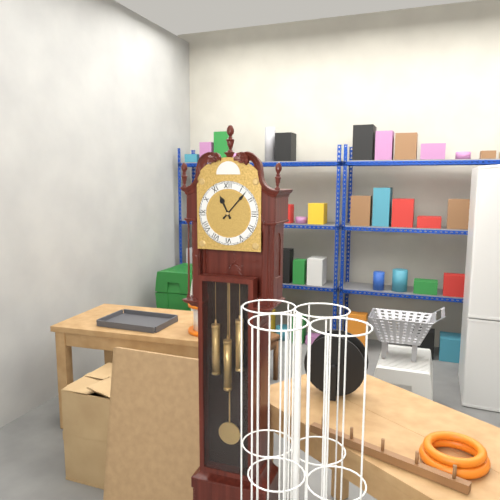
11:07
